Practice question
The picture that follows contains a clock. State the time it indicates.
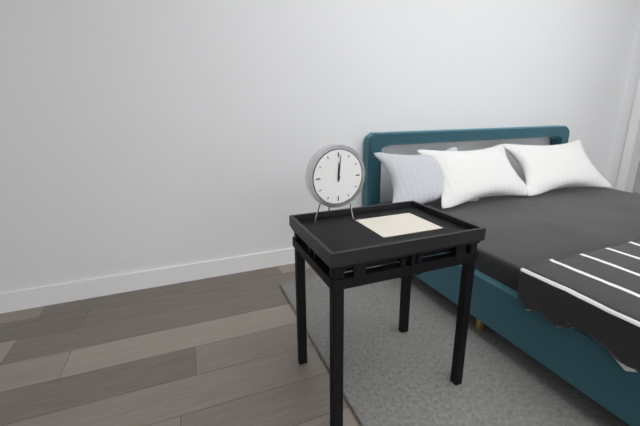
12:01
